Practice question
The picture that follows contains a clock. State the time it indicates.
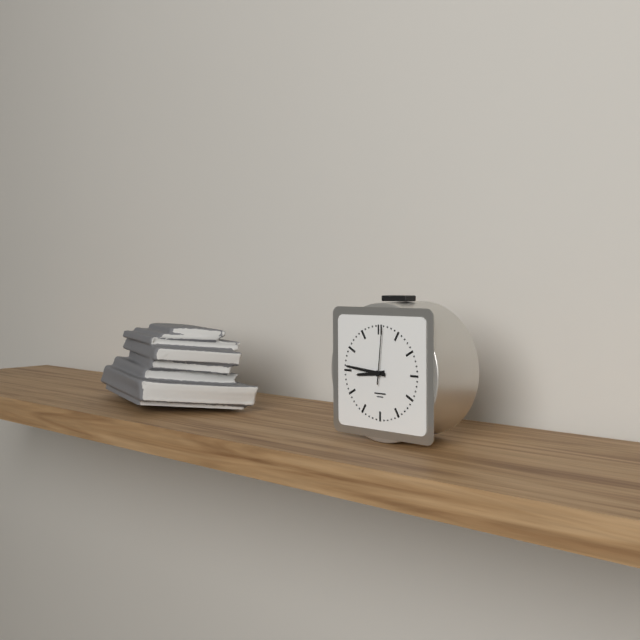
8:46:01
